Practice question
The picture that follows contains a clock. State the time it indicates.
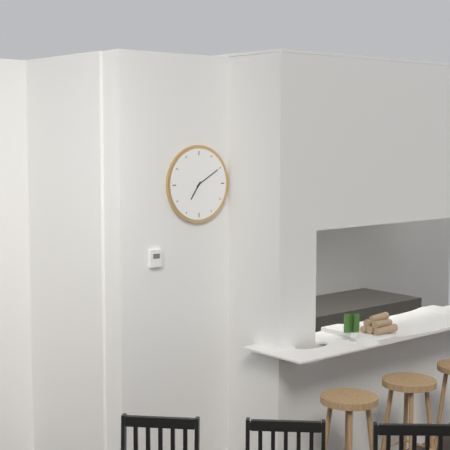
7:10
